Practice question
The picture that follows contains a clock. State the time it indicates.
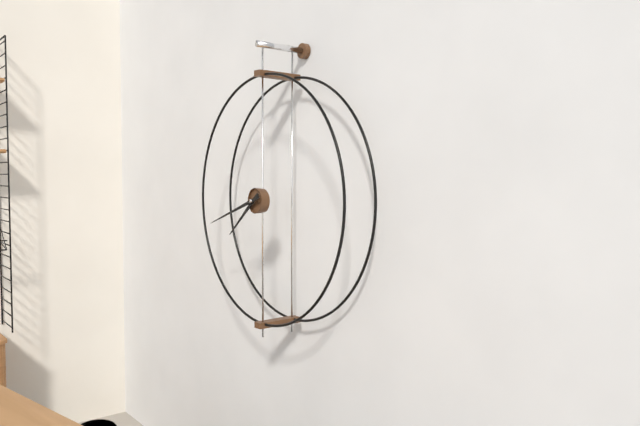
7:42
